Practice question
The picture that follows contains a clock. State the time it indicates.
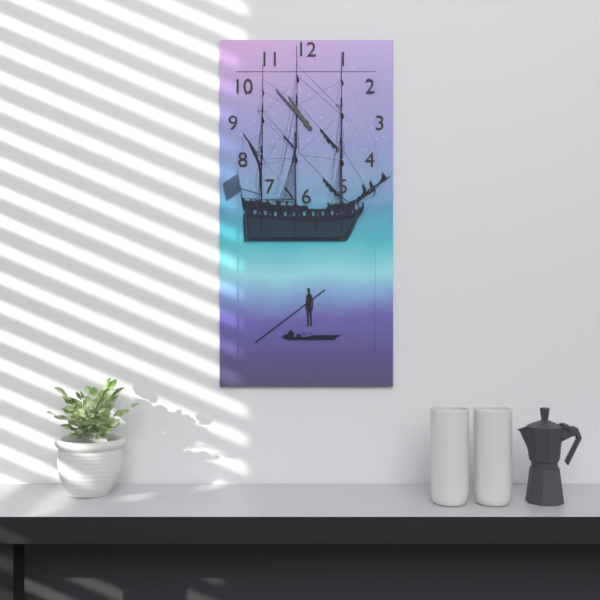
10:53
